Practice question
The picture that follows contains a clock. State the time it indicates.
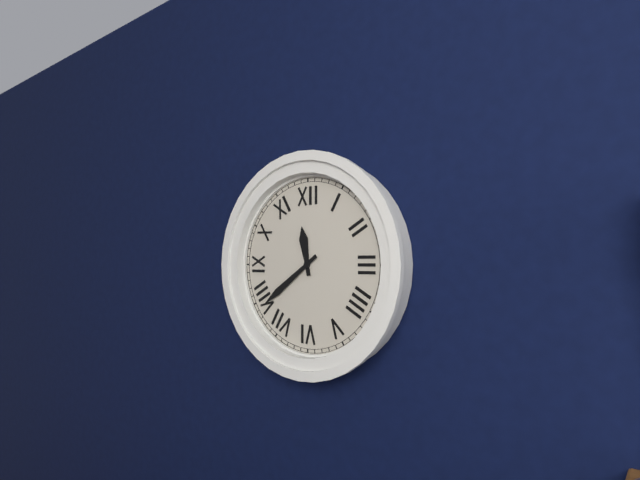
11:39
